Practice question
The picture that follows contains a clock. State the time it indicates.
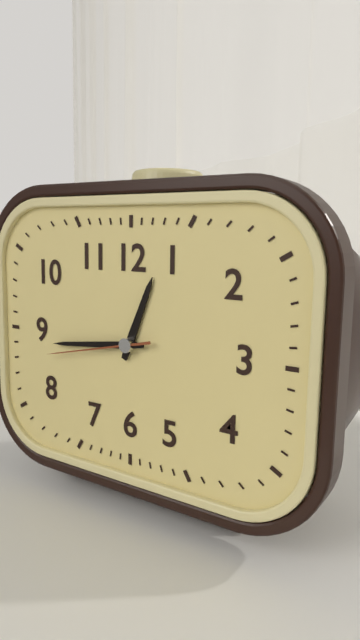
12:44:43
